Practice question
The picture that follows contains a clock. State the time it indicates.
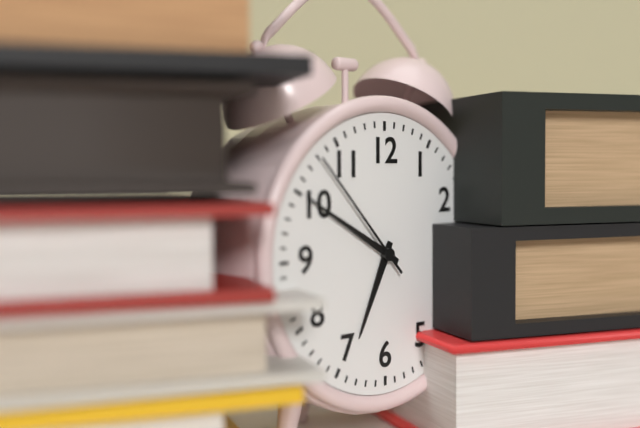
6:50:53
